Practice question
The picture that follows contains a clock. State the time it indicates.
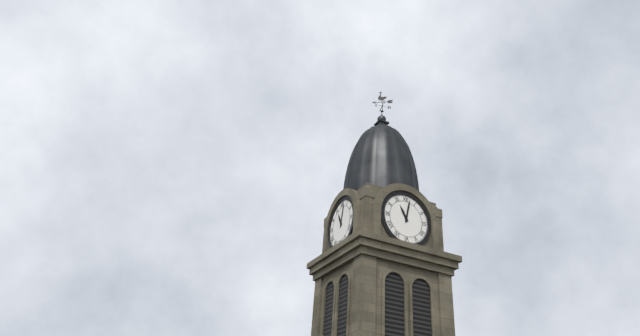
11:02
